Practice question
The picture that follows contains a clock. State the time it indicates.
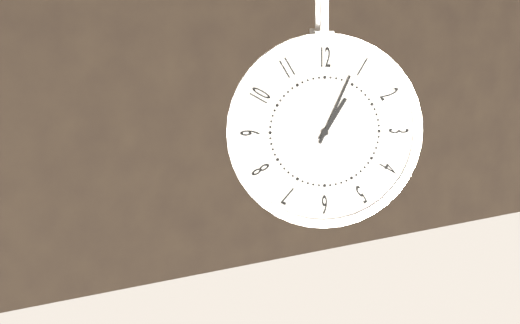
1:04
